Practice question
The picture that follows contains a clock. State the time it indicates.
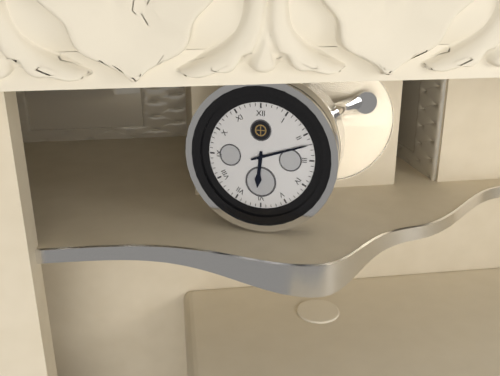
6:12
